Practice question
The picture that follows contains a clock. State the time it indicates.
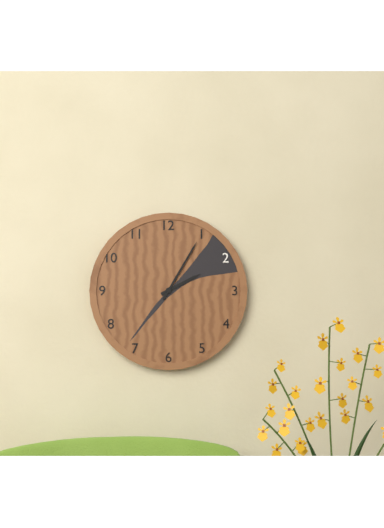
2:05
